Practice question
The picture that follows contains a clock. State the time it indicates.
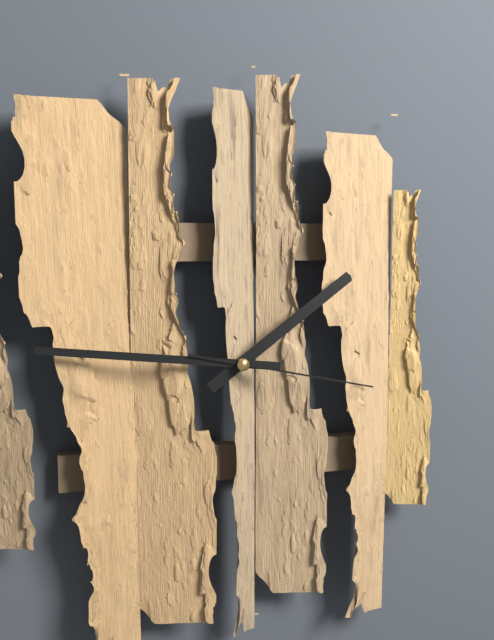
1:46:17
